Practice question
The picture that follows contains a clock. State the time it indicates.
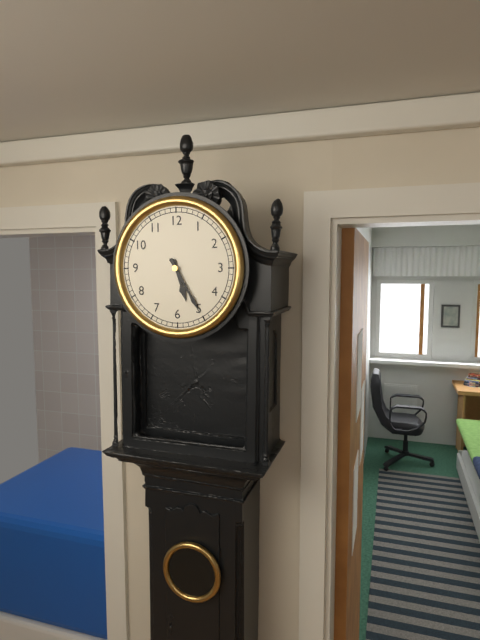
5:25
